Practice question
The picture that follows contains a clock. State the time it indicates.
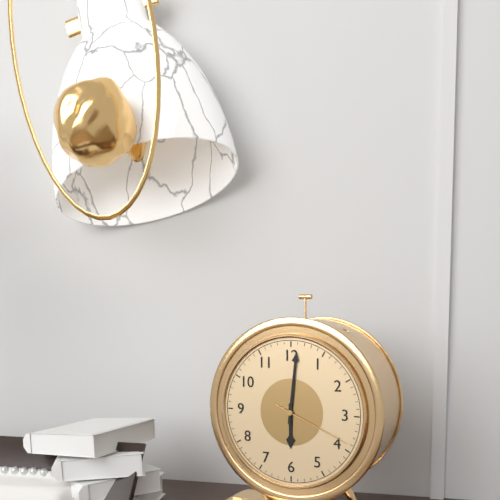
6:01:19
